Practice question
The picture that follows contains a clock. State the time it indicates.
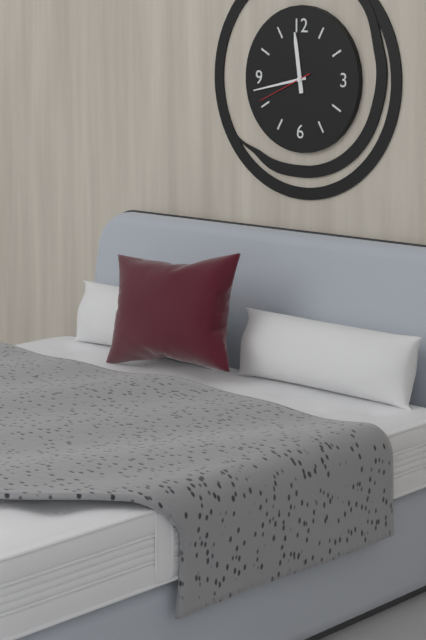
11:43:41
